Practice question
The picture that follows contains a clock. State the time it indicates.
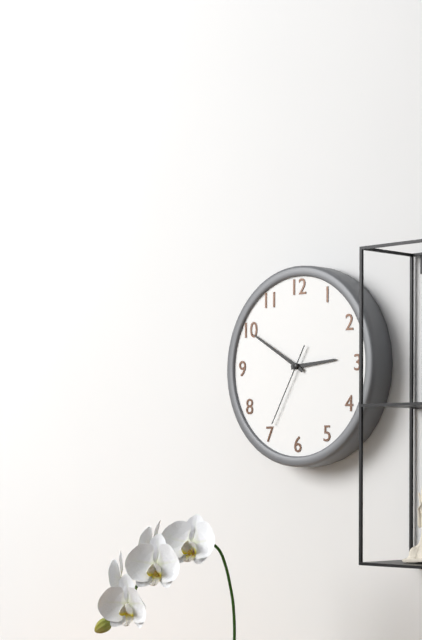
2:50:35
